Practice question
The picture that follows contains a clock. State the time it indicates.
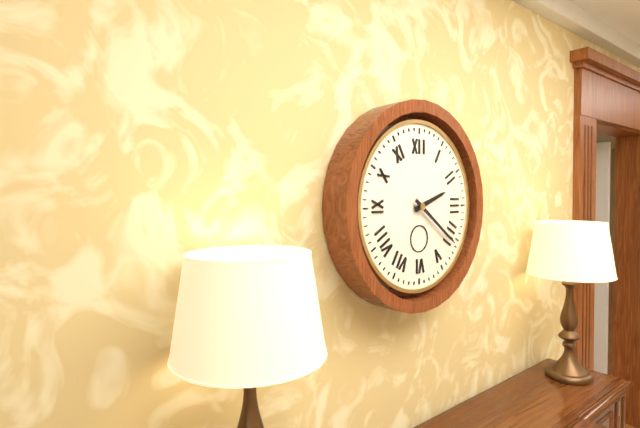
2:21
